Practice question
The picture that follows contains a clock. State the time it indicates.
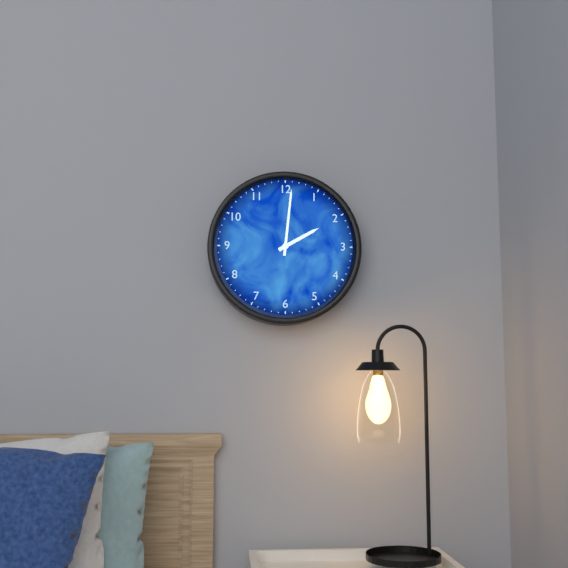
2:01
